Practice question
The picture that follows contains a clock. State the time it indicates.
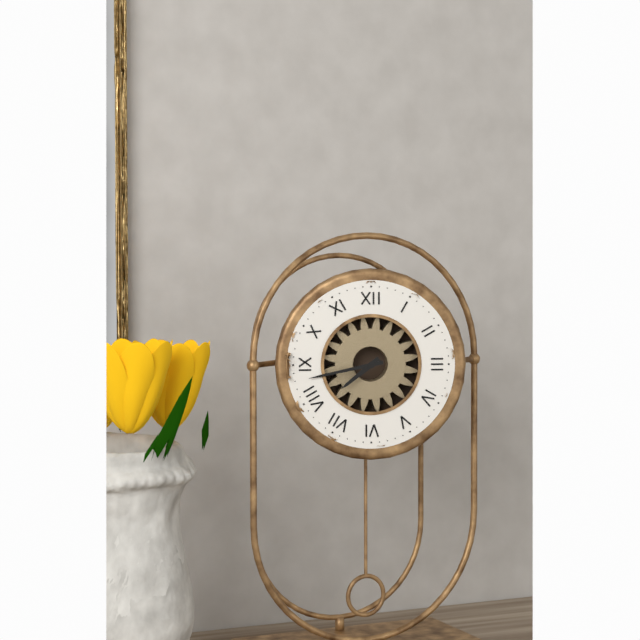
7:43
